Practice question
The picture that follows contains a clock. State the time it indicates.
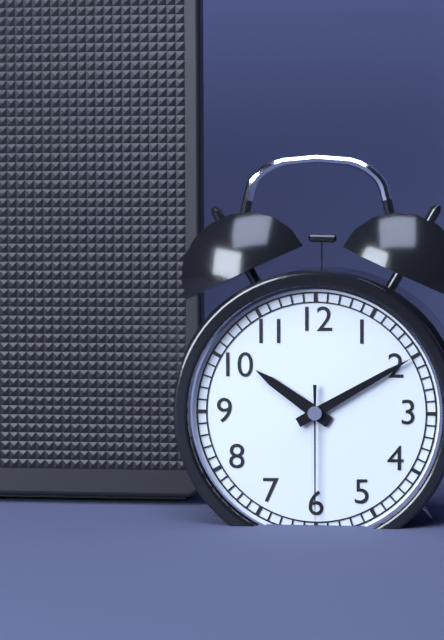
10:10:30
